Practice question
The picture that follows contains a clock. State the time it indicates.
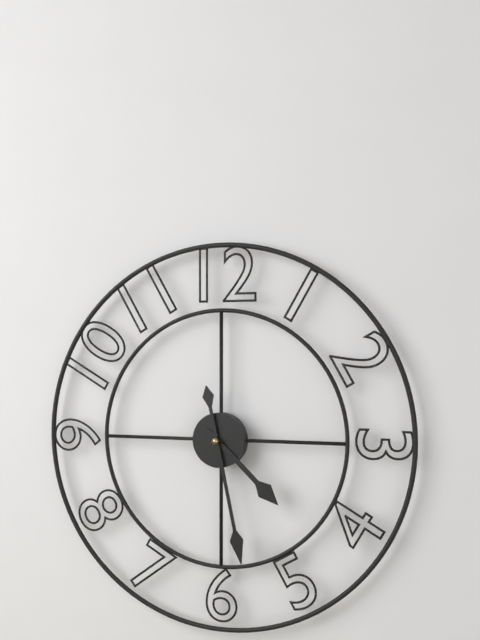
4:28
